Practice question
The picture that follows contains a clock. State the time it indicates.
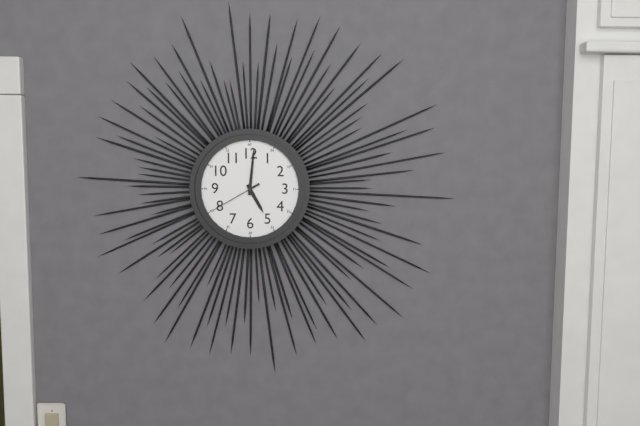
5:01:40
